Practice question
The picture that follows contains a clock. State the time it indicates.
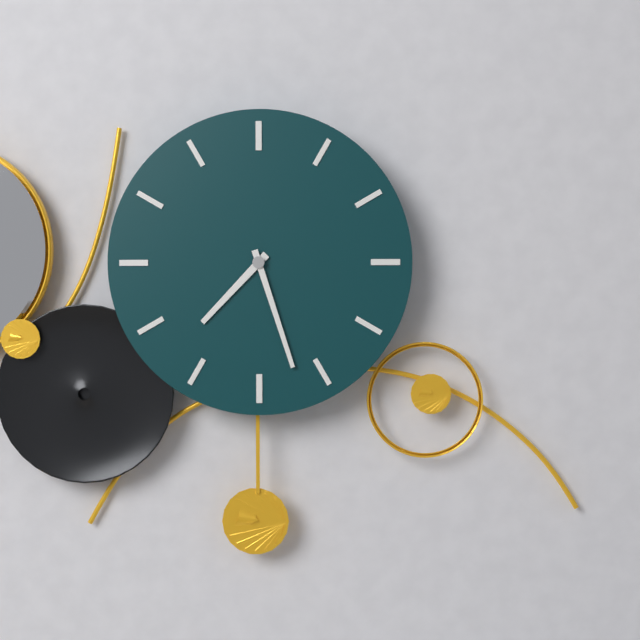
7:27
